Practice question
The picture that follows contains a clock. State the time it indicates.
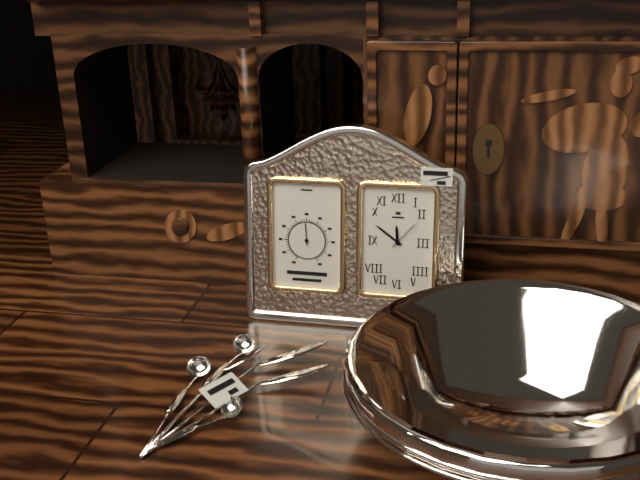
11:51
